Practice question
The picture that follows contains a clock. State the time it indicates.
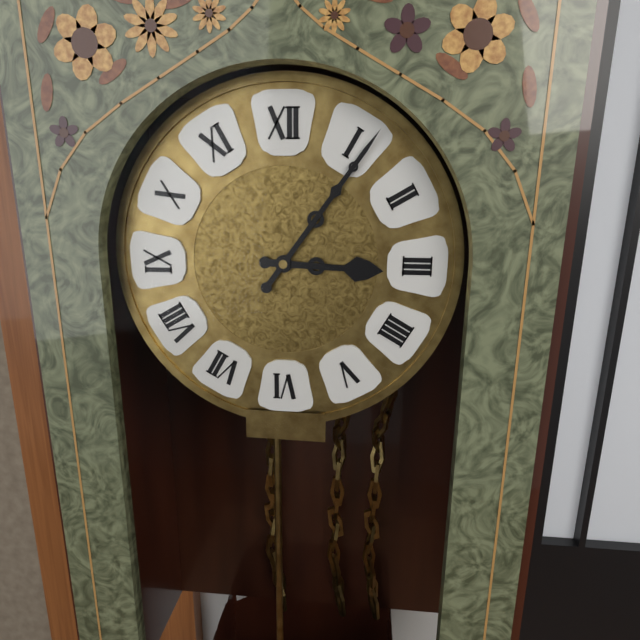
3:06
